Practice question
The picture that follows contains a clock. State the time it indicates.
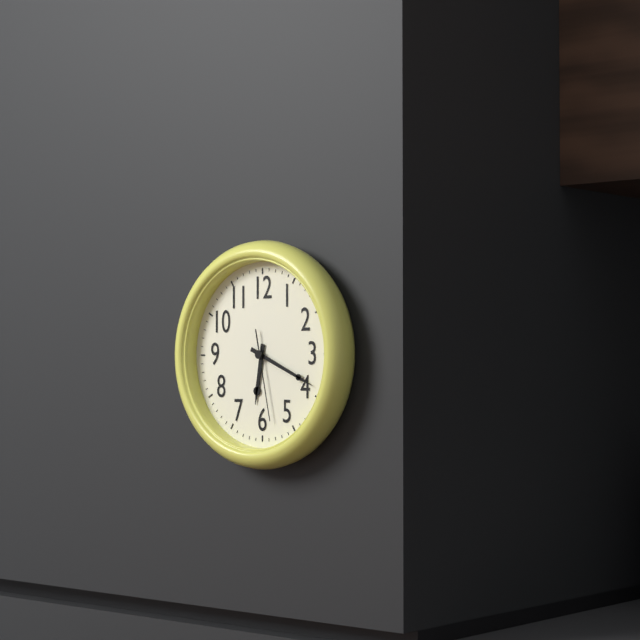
6:19:28
